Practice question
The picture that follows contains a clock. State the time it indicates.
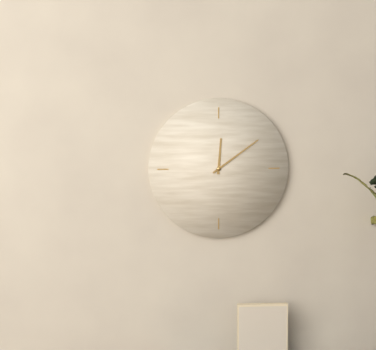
12:09
